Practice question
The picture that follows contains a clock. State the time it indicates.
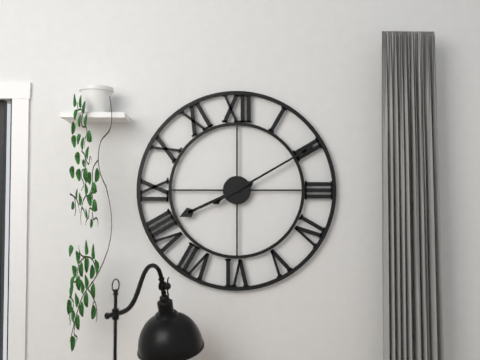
8:10
